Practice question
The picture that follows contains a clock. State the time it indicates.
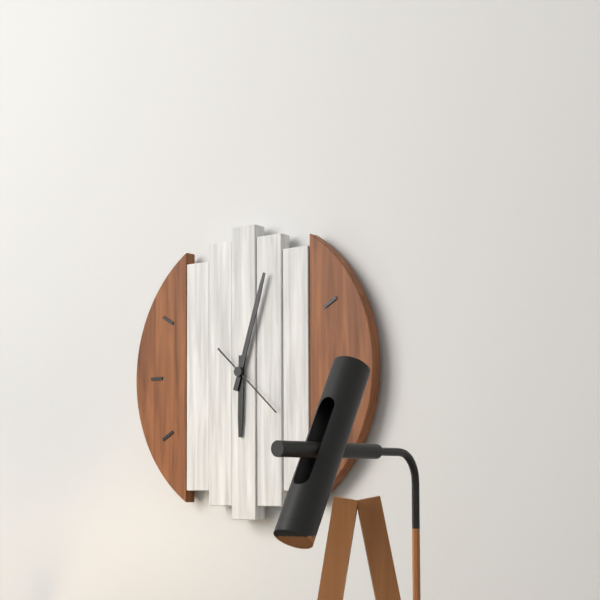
6:03:22
